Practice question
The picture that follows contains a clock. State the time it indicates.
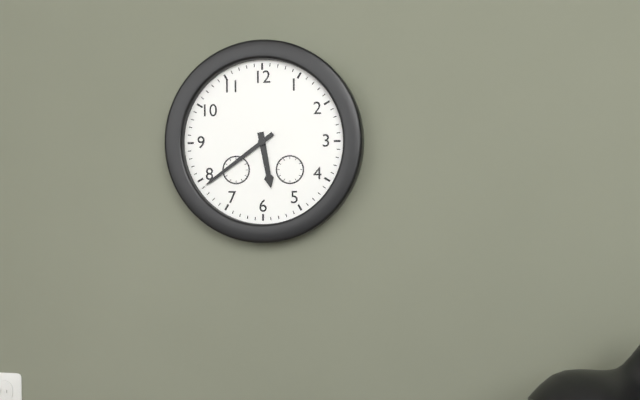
5:39
